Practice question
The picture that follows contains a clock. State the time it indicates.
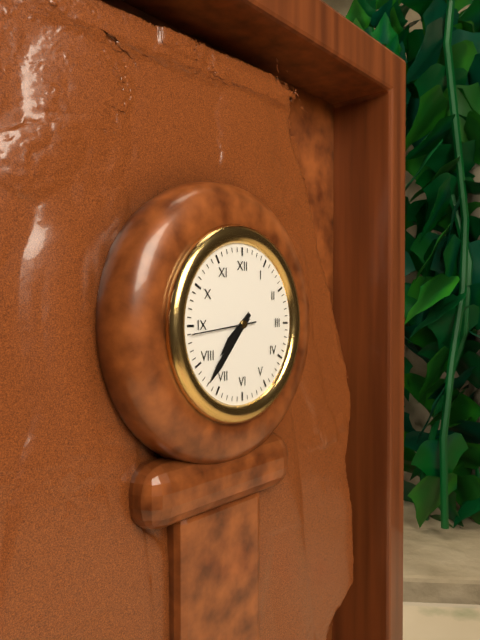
7:37:44
